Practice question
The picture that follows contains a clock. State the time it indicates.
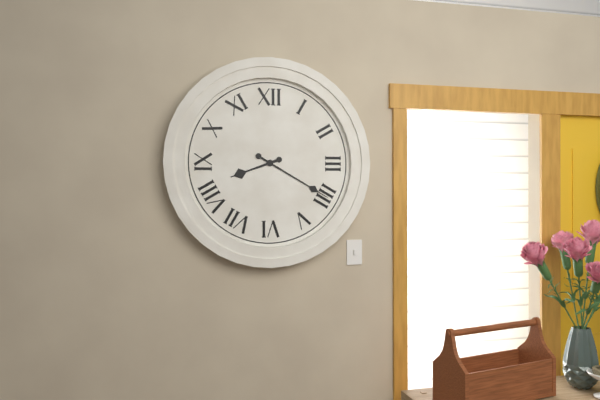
8:20
